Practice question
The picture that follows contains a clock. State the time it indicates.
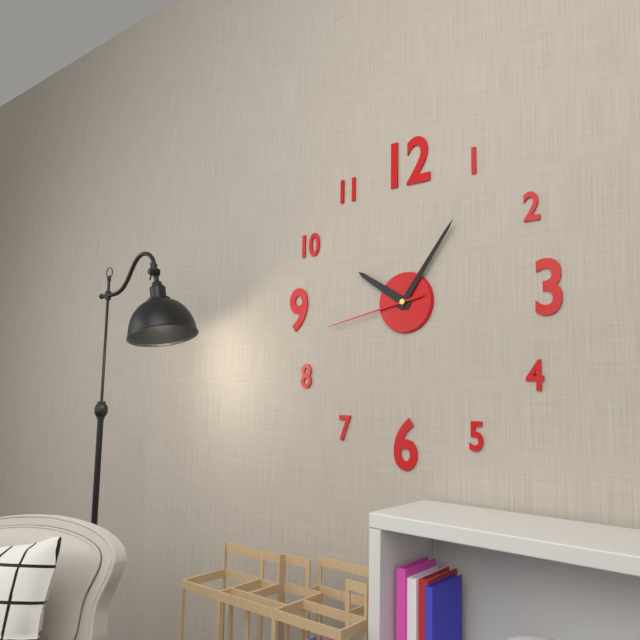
10:06:43
